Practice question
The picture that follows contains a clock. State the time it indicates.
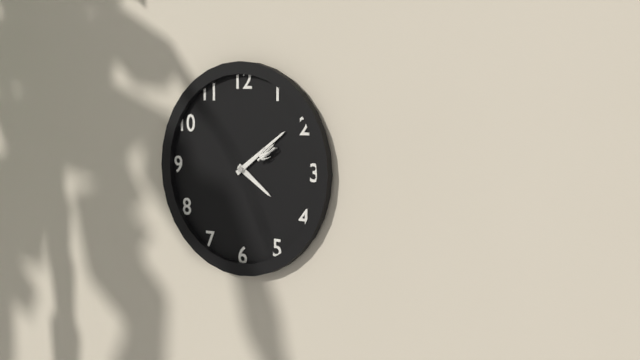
4:09
